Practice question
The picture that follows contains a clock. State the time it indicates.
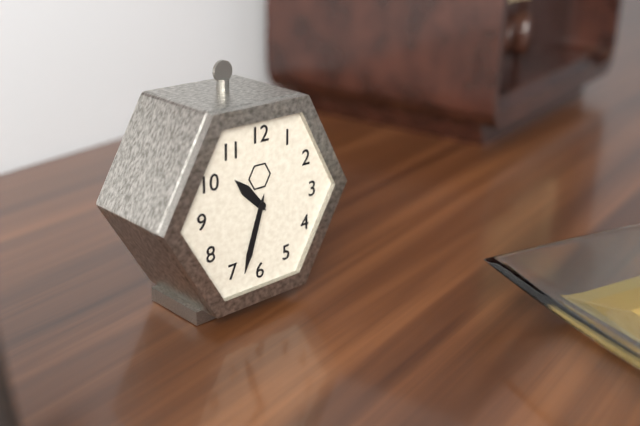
10:33
